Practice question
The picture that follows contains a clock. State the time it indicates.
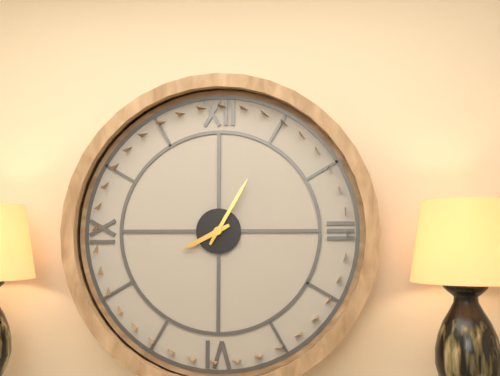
8:05
